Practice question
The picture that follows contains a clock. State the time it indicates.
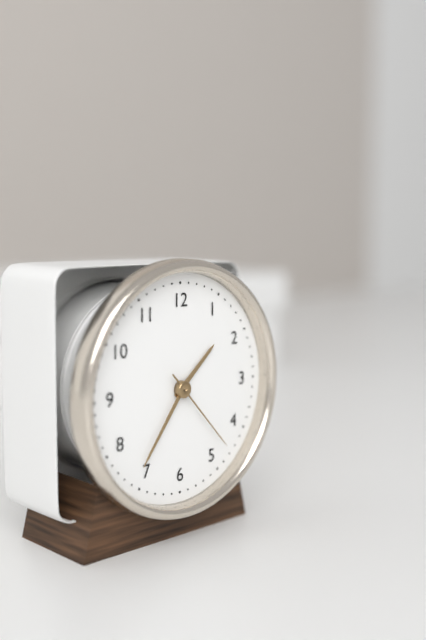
1:36:23
